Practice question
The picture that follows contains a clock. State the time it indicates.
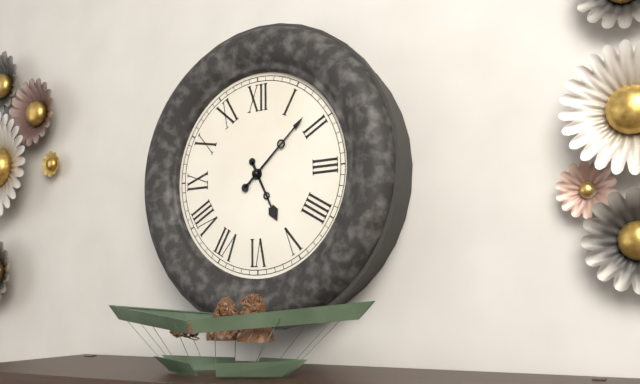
5:08
